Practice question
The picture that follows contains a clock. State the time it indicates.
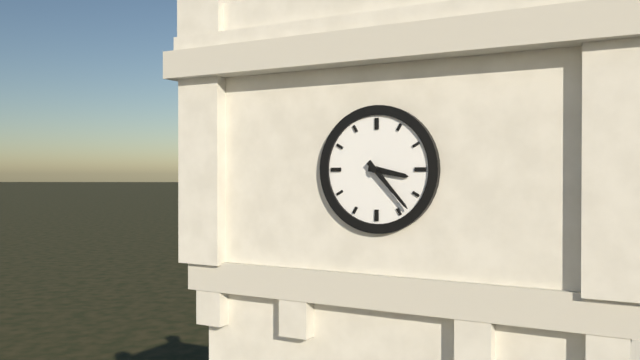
3:23
